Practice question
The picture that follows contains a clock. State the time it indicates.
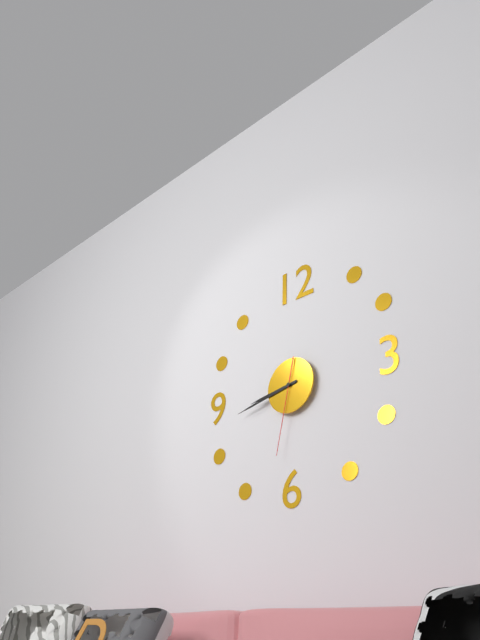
8:43:32
